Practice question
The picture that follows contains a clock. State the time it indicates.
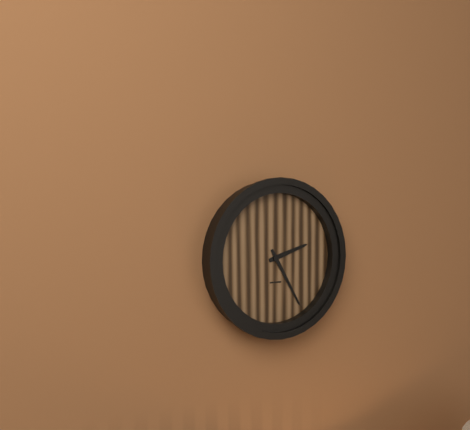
2:25
